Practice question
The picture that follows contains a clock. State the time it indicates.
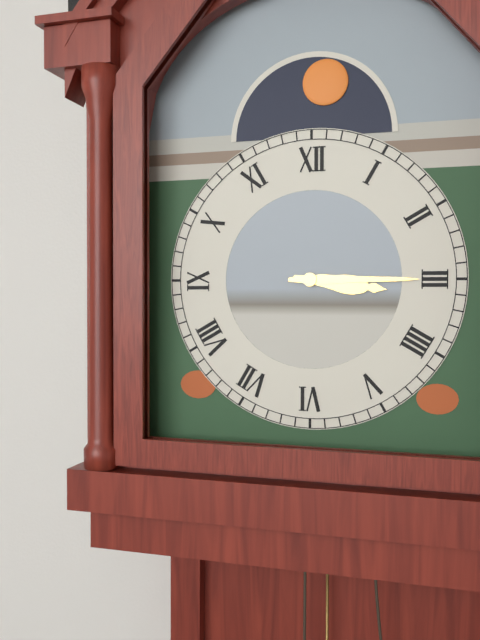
3:15
